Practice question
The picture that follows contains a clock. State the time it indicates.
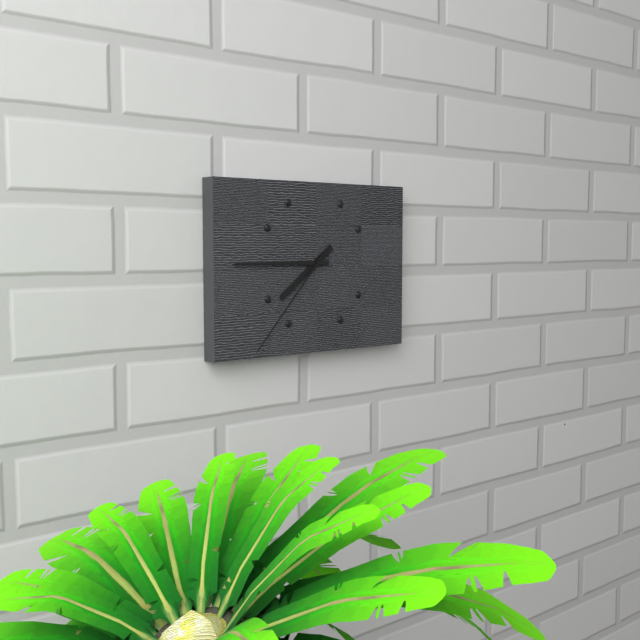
7:45:37
